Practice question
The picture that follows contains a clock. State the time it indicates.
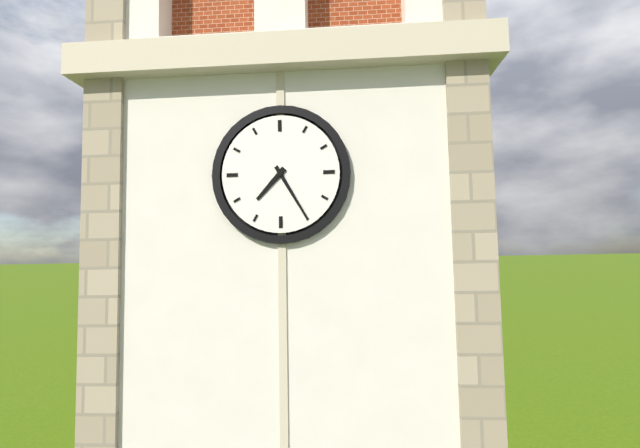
7:25
